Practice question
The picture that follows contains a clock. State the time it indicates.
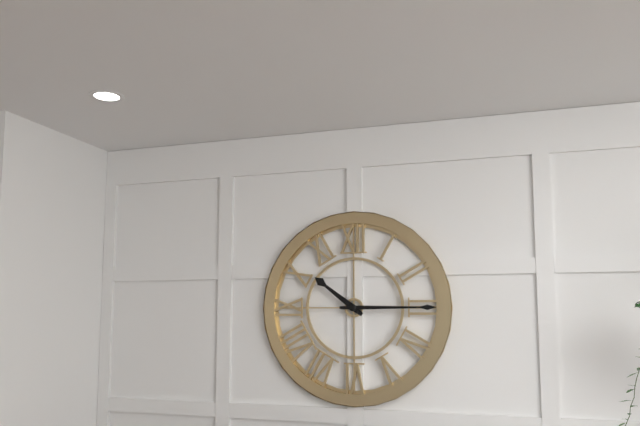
10:15
